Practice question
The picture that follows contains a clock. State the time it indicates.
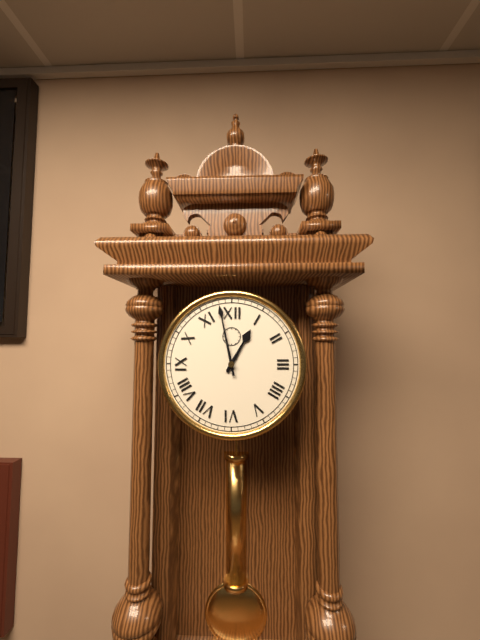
12:58
